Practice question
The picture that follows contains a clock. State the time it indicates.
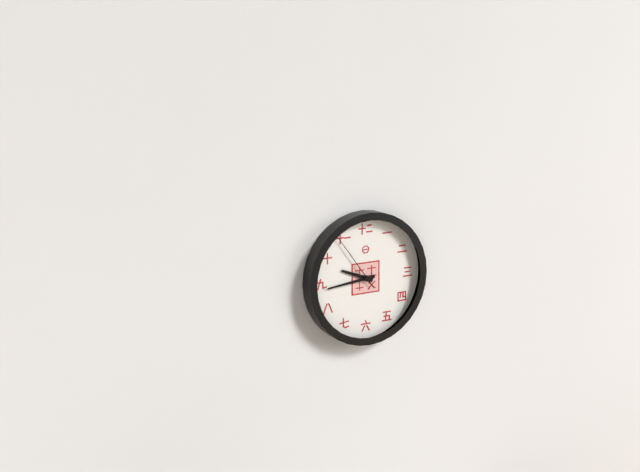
9:44:54
